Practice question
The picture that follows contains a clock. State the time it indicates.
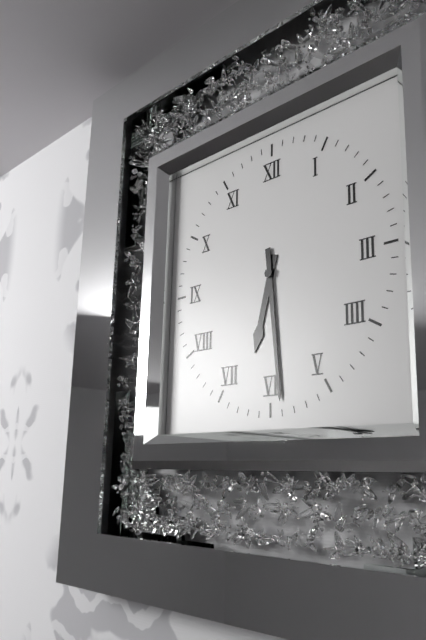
6:29
